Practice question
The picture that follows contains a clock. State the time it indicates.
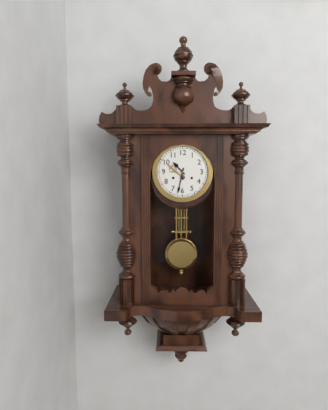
10:32
